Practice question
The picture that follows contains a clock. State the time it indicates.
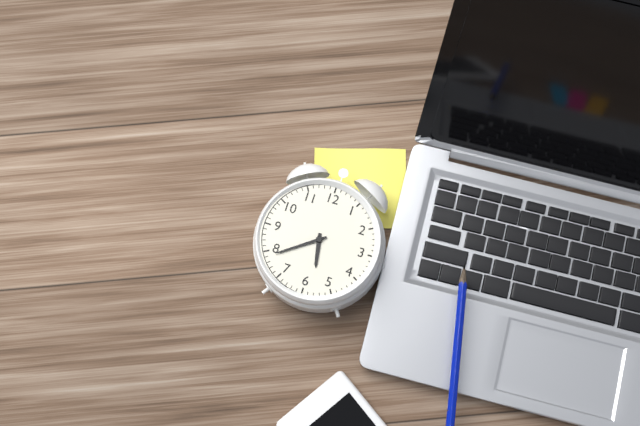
5:39
